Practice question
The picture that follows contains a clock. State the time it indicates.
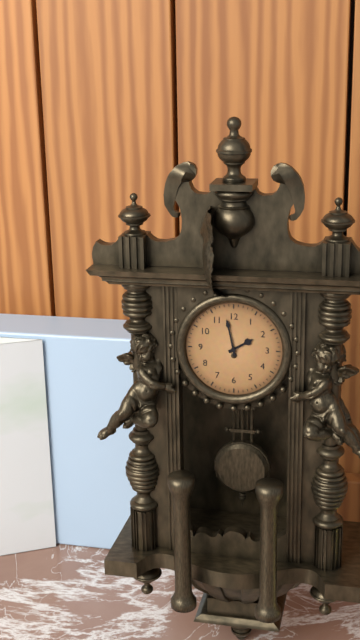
1:58
